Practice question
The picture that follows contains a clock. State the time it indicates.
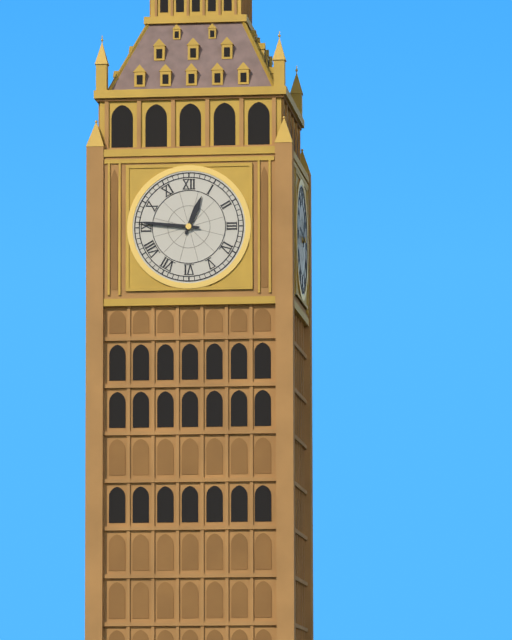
12:46
